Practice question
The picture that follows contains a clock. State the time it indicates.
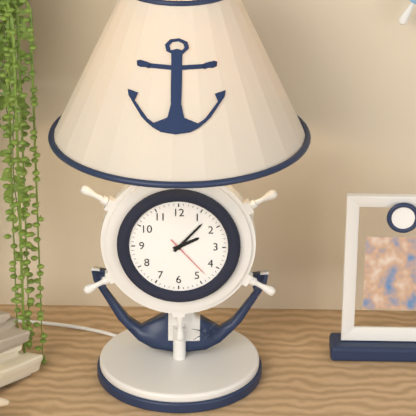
2:07
